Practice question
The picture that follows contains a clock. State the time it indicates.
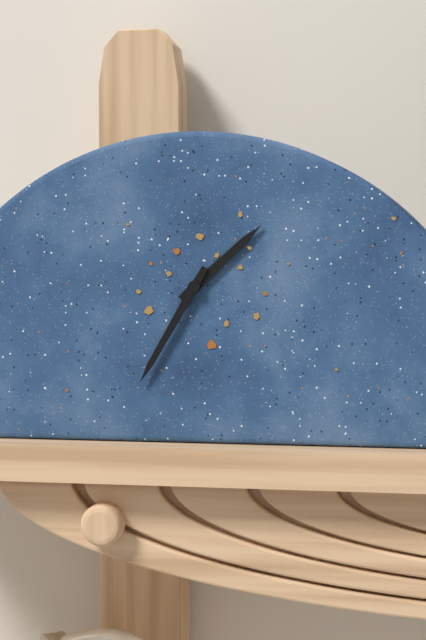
1:35
